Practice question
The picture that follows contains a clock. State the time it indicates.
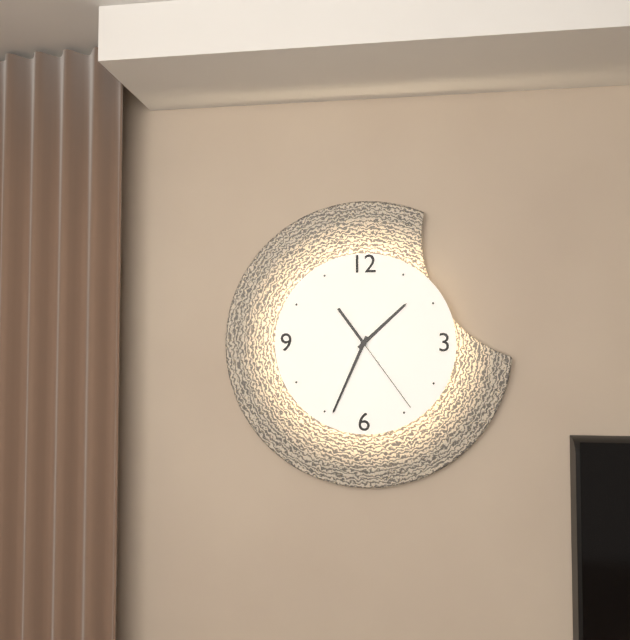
1:34:24
